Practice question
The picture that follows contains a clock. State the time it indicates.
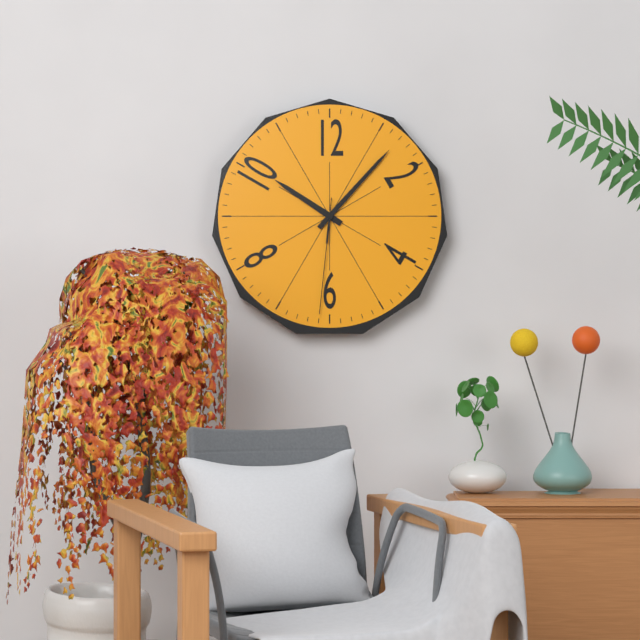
10:07:31
